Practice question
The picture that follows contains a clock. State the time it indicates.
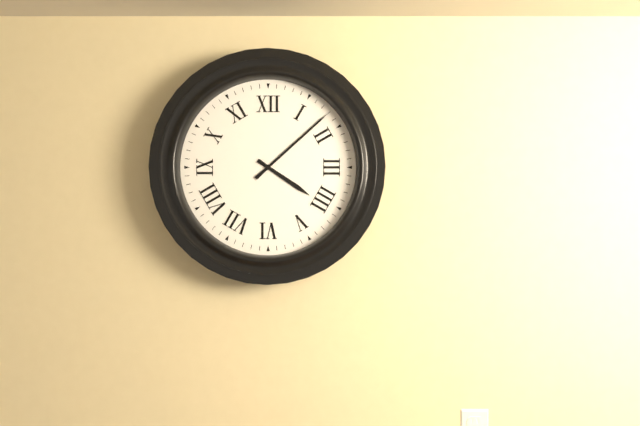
4:08
